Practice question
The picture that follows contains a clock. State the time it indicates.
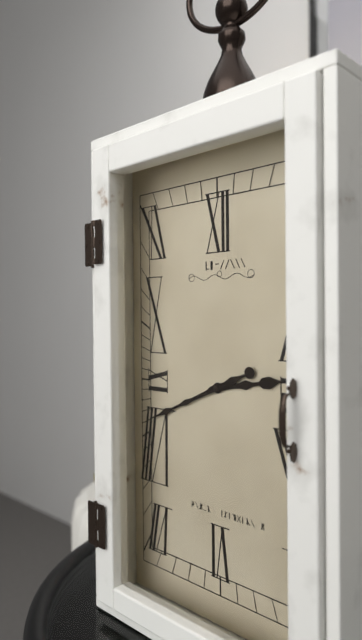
2:41
